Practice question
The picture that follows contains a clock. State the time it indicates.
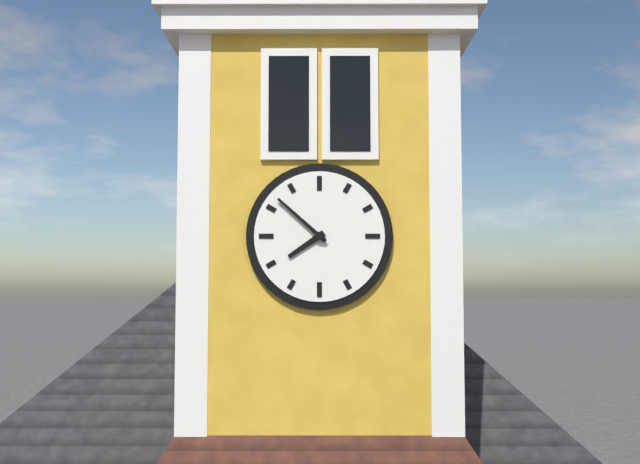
7:52
